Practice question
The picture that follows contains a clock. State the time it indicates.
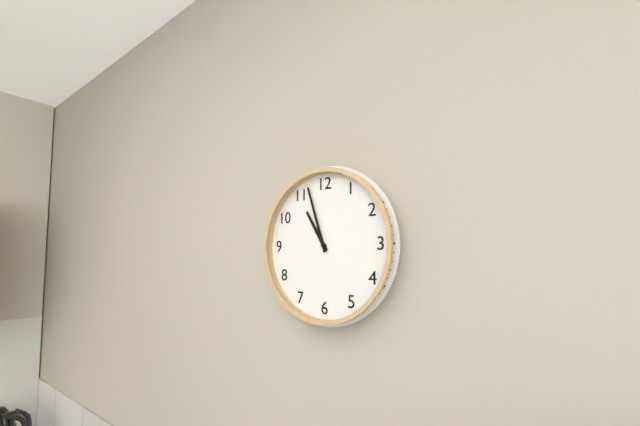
10:57
